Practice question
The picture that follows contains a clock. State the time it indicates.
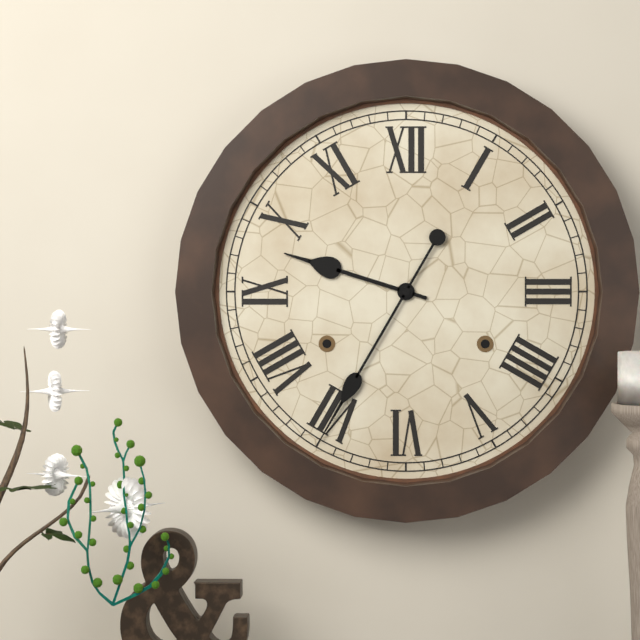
9:35
